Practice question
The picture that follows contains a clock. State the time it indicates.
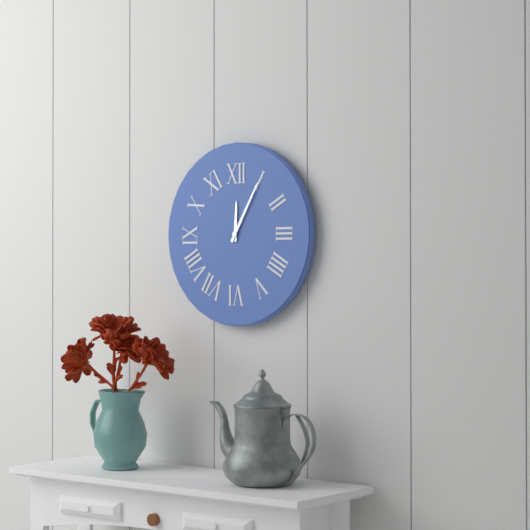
12:05
